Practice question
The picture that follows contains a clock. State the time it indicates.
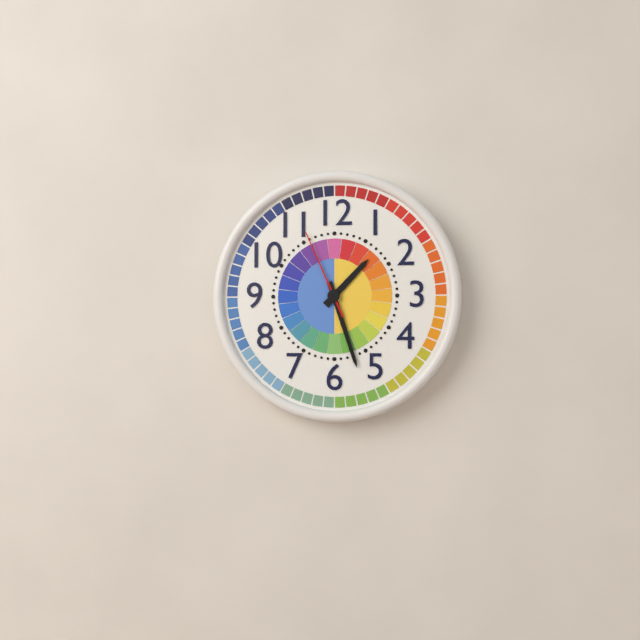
1:27:56
